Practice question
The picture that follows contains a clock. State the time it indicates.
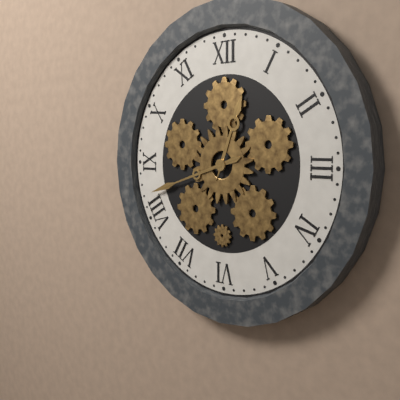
12:42
